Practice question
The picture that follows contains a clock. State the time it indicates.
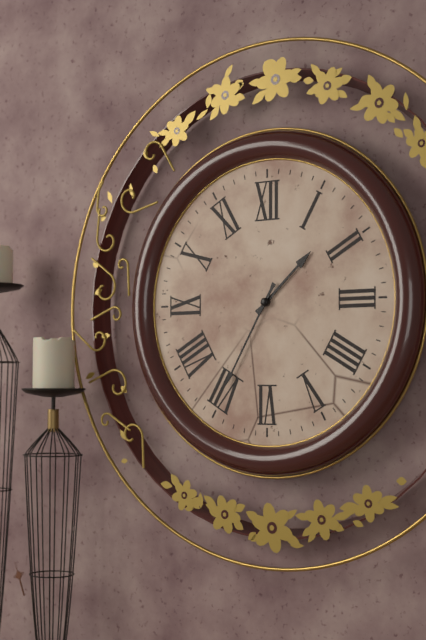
1:35
